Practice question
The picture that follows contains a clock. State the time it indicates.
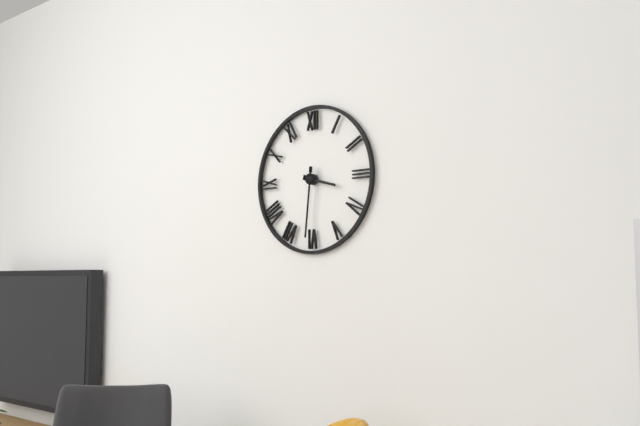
3:31
